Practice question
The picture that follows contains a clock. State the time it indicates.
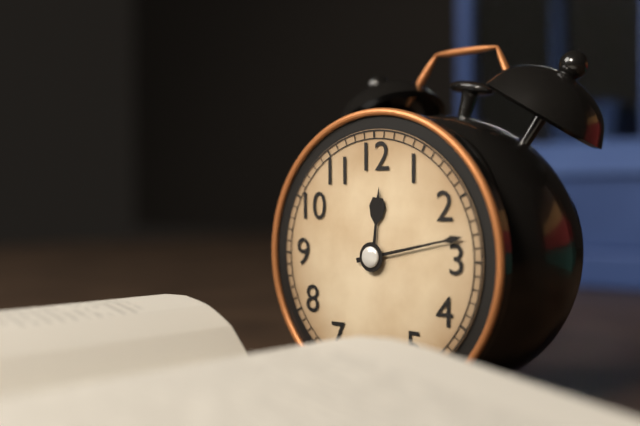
12:13
